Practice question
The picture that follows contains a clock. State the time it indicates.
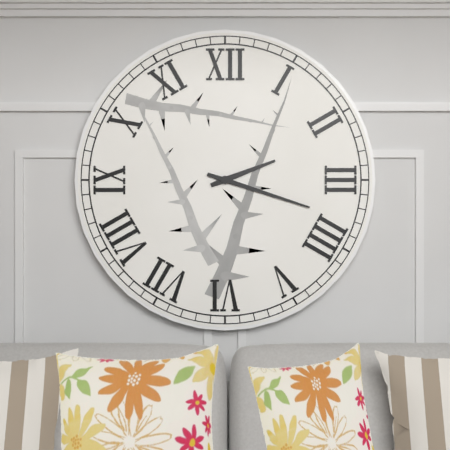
2:18
